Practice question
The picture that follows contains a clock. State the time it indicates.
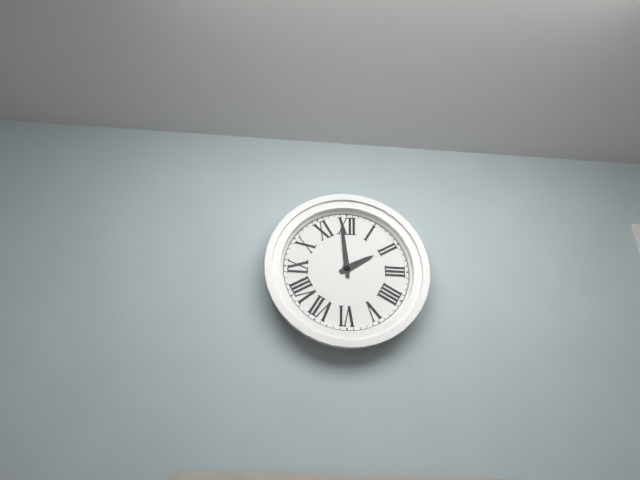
1:59
